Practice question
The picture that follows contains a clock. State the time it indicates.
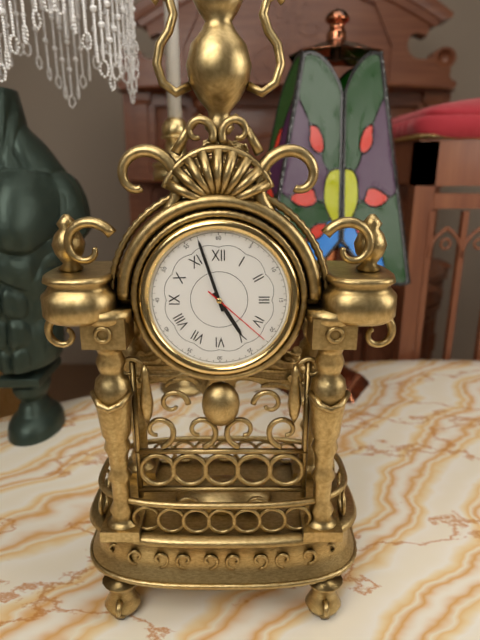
4:57:22
